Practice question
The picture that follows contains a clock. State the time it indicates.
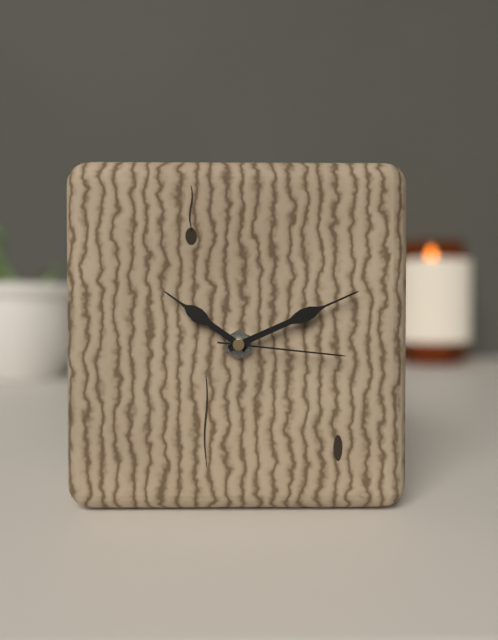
10:11:16
